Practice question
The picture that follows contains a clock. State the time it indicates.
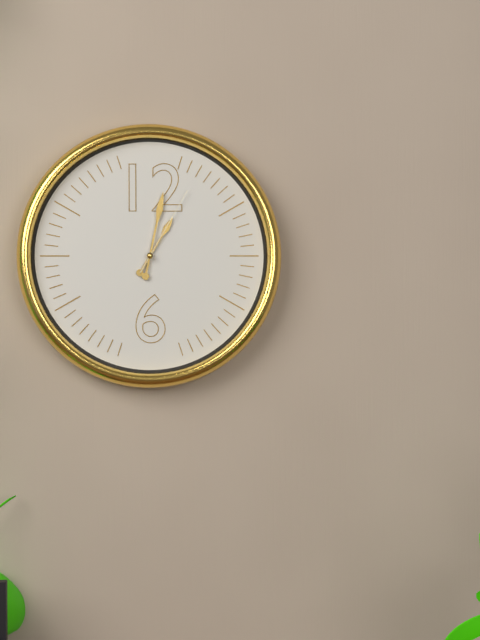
1:02:05
